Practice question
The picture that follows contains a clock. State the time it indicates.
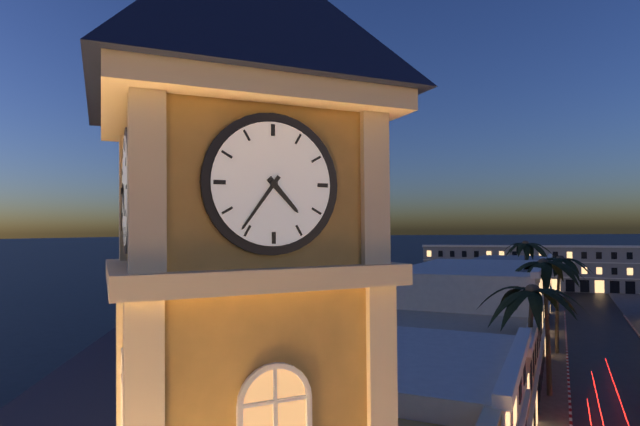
4:36
